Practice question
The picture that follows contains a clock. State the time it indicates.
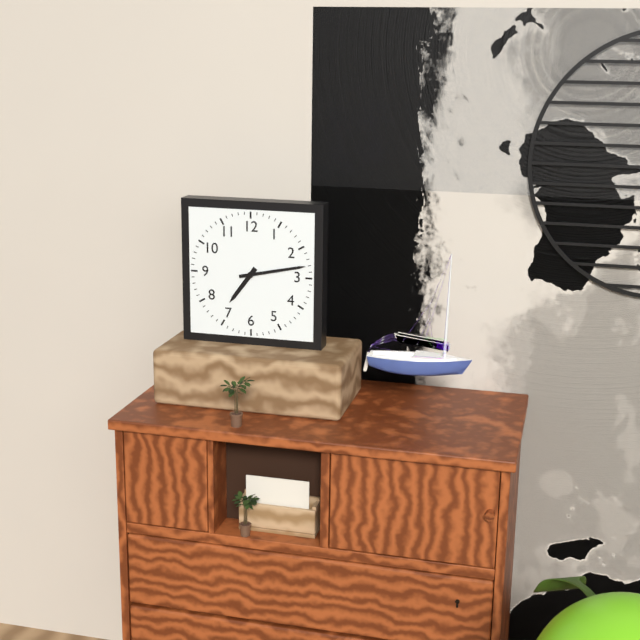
7:13
